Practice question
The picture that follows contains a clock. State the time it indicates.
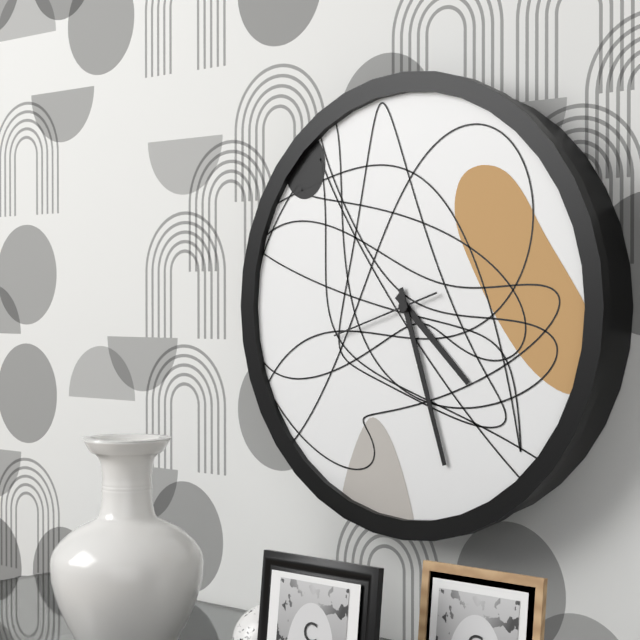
4:27:42
